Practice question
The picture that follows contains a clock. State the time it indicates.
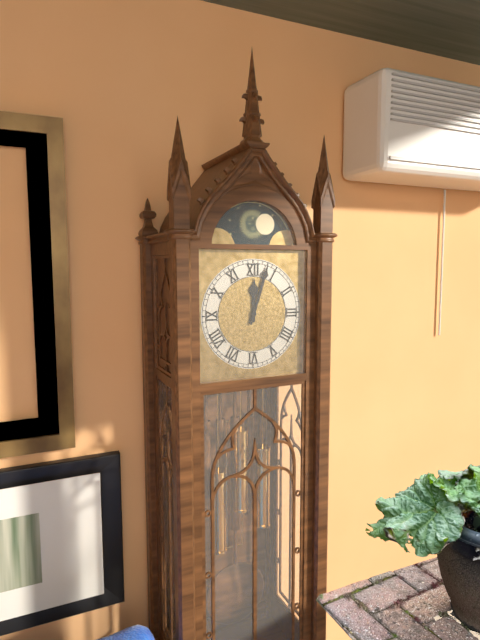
12:03
